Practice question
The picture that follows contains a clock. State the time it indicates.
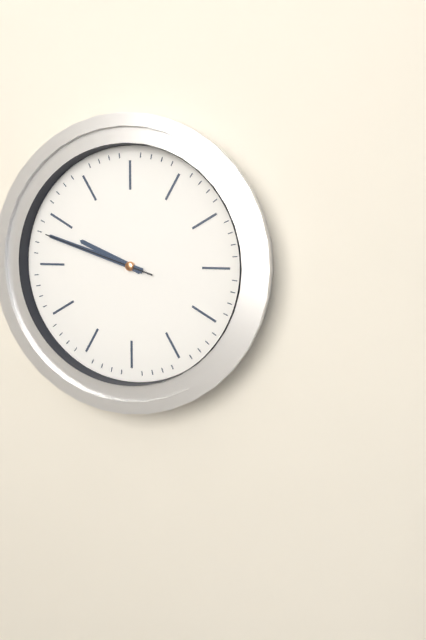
9:48:48
